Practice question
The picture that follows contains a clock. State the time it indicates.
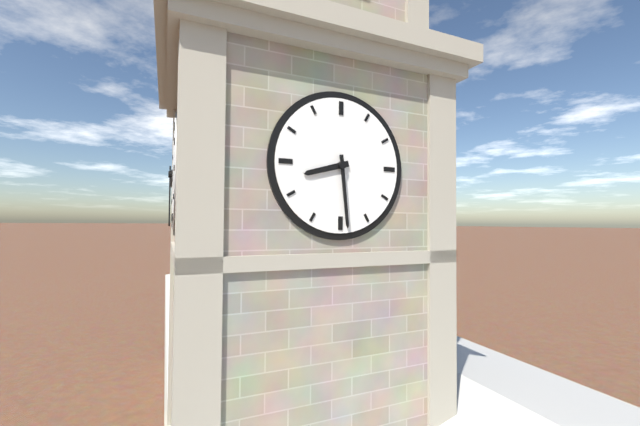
8:29
